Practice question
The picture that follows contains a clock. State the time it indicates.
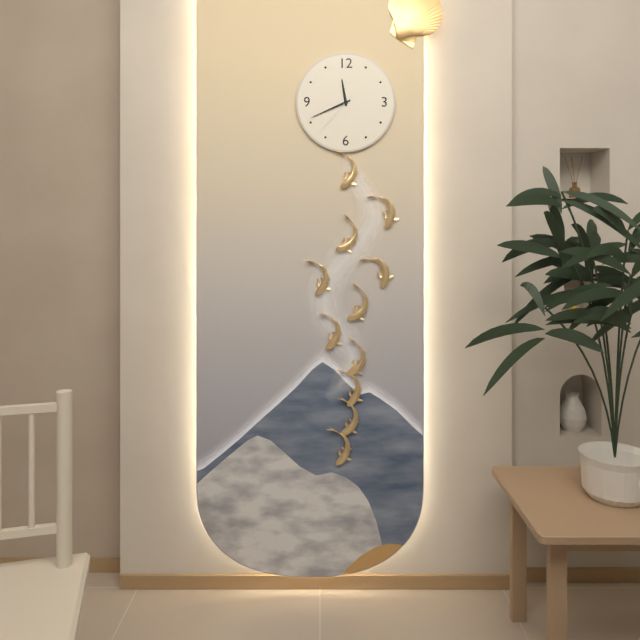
11:41
